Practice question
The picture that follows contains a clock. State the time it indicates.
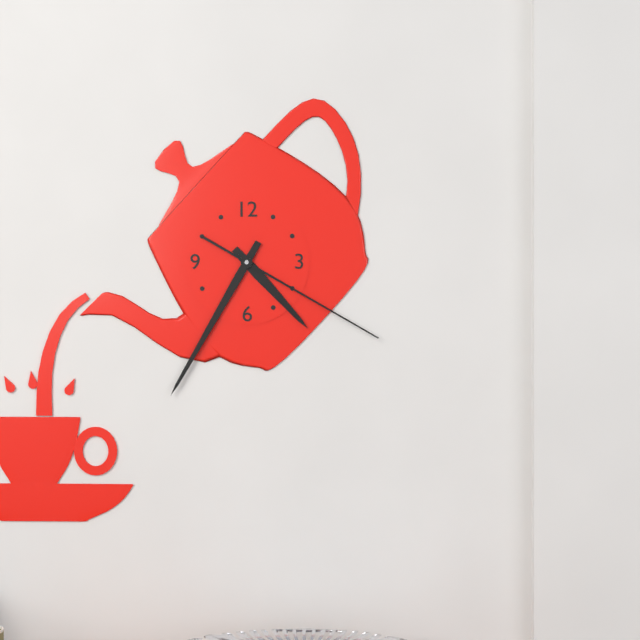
4:35:20
